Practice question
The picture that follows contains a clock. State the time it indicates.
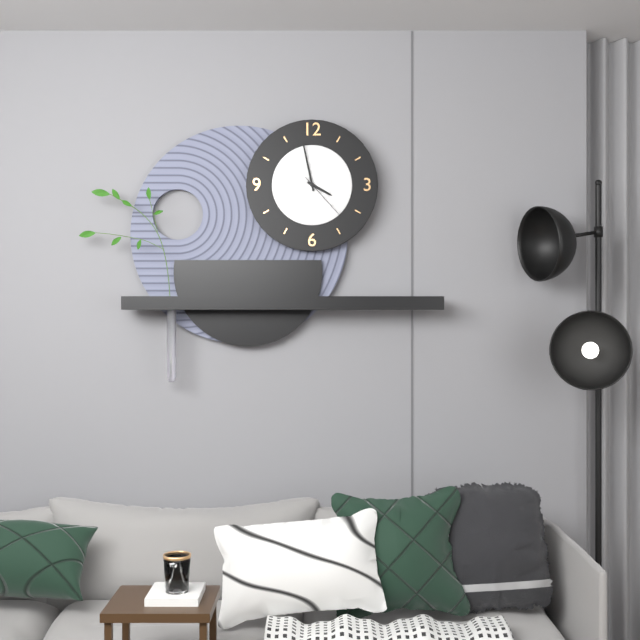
3:58:23
